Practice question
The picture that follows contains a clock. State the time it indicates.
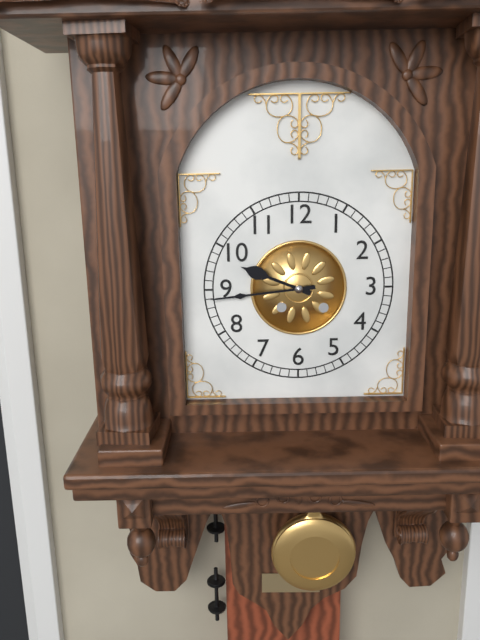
9:44
